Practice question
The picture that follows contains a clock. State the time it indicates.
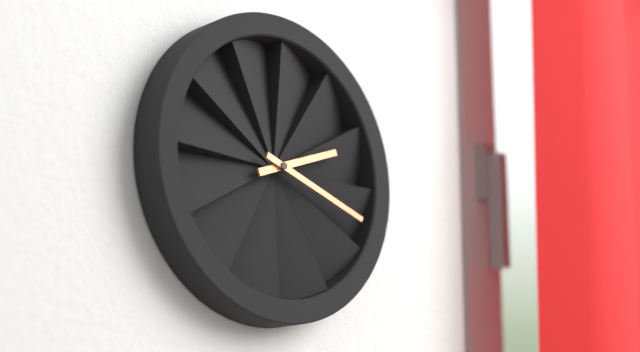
2:18
